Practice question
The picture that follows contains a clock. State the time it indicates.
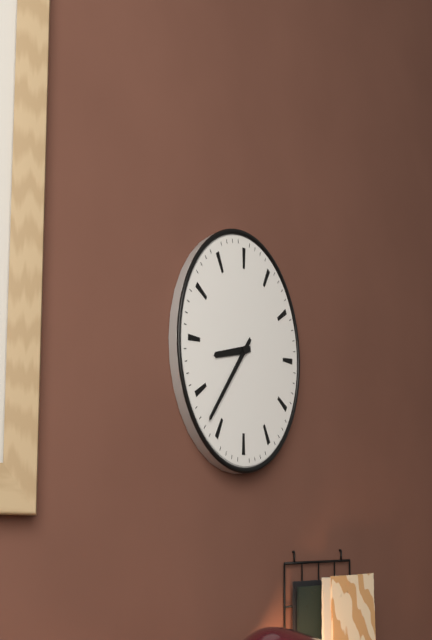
8:37
